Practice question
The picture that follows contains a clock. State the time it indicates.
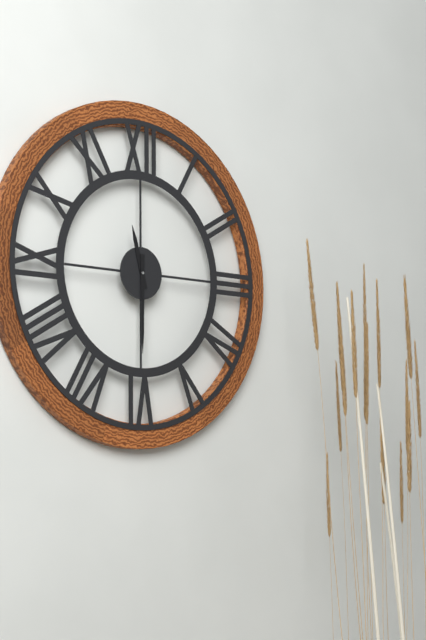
11:30
